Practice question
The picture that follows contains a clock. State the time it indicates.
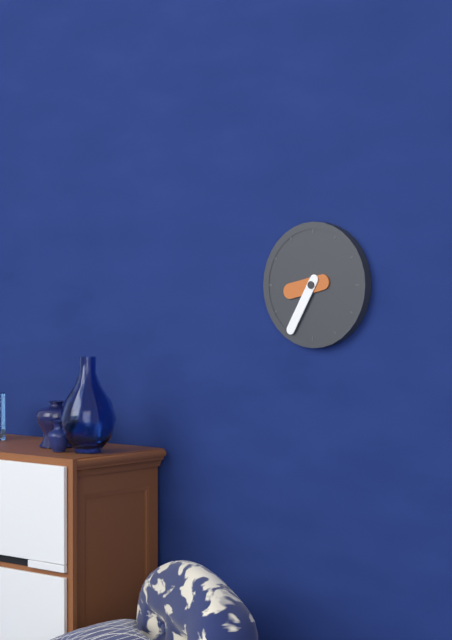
8:35
